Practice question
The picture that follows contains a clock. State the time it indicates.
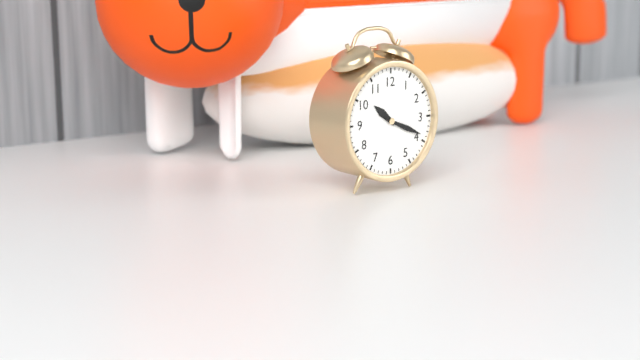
10:19
